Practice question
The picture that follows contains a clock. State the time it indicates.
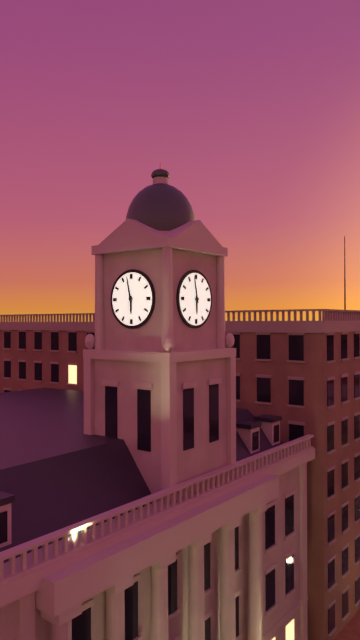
5:58
